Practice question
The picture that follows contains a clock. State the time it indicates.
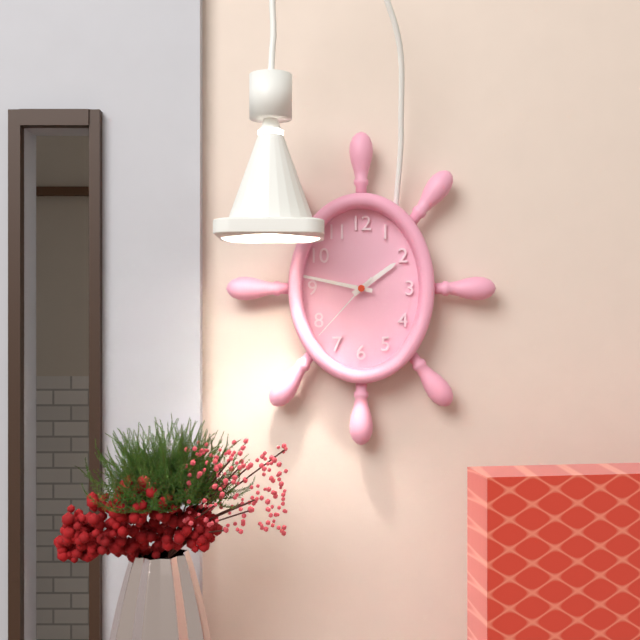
1:47:37
